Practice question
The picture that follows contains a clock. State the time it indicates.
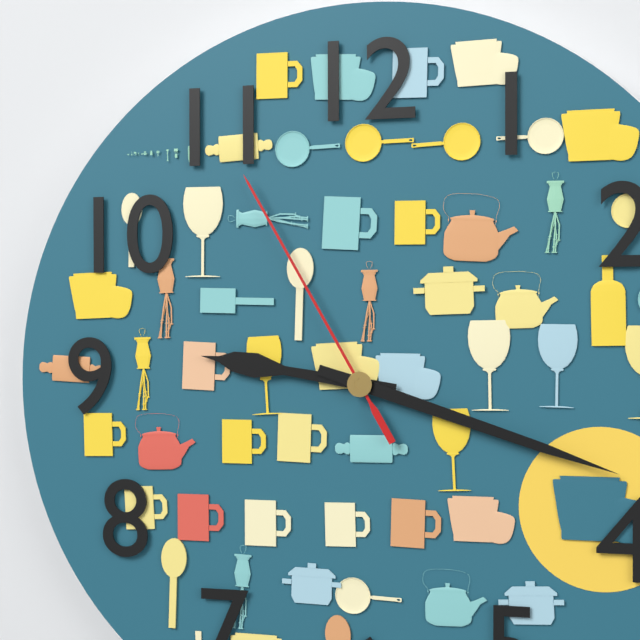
9:18:55
